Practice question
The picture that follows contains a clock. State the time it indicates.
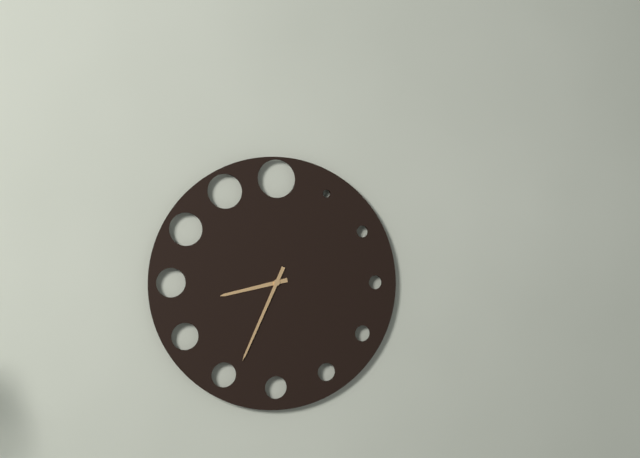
8:34
